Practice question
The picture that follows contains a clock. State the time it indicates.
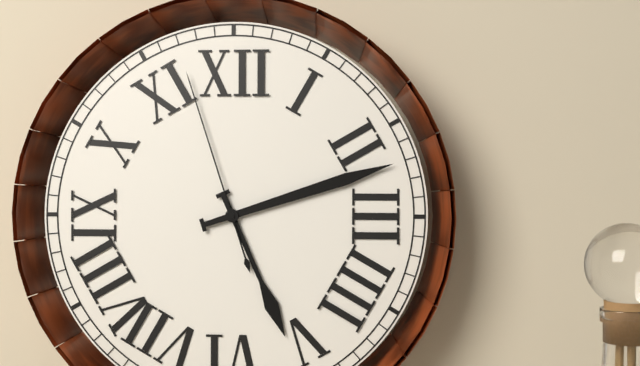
5:12:57
